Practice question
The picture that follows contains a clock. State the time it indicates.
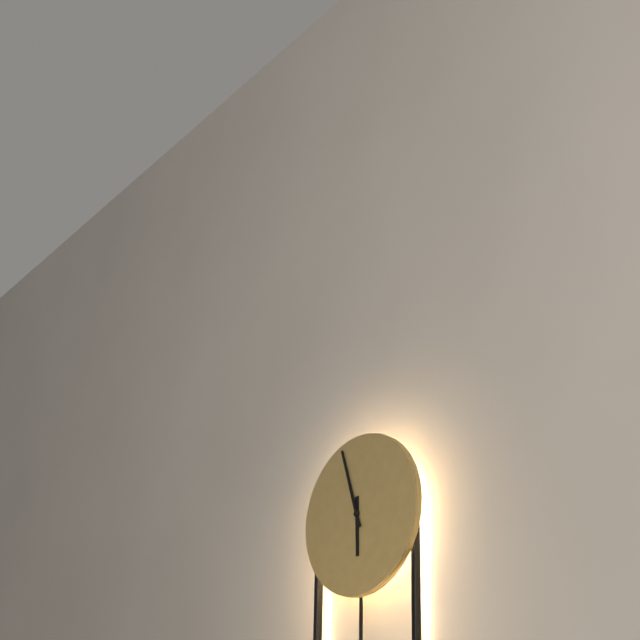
5:57
